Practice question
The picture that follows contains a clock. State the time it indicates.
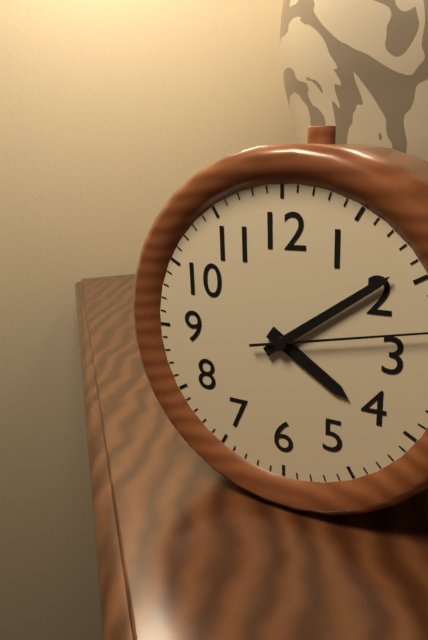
4:09
